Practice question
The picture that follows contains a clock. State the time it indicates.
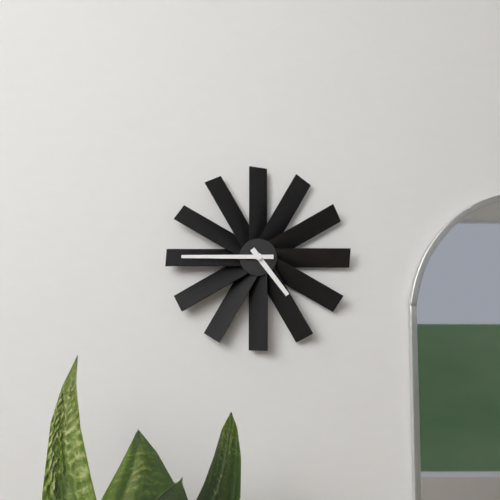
4:45
